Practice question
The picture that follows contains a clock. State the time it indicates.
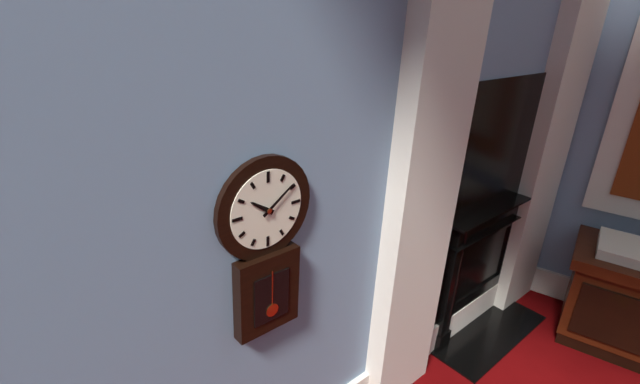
10:09
